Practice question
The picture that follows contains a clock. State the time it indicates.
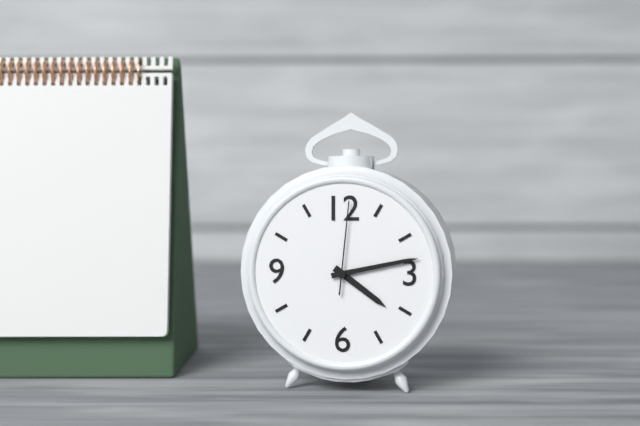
4:13:01
